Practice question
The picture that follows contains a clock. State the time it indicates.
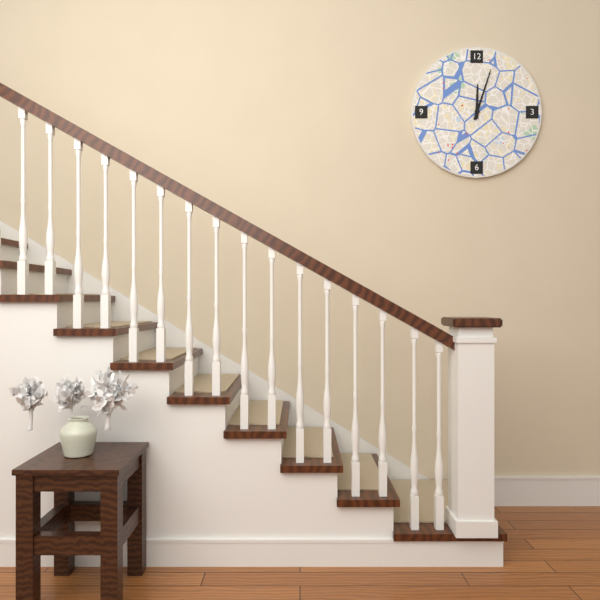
12:03
